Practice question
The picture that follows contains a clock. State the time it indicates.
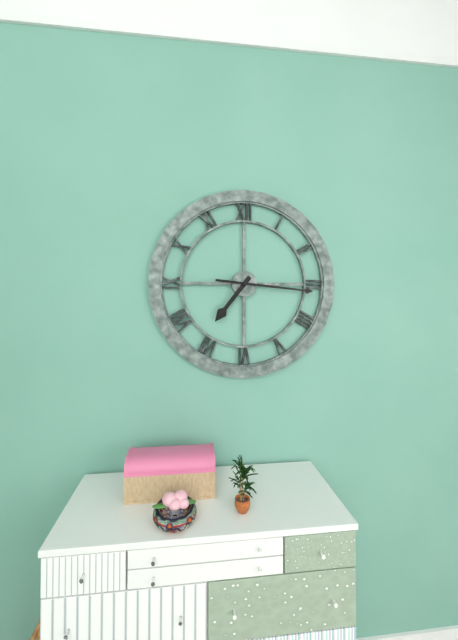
7:16
